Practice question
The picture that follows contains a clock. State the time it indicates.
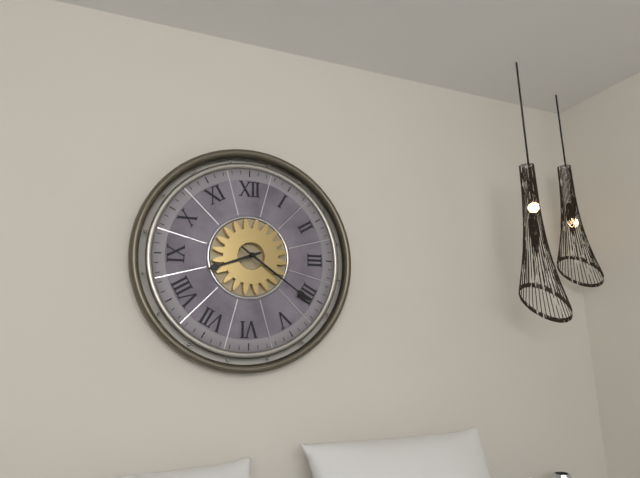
8:21
